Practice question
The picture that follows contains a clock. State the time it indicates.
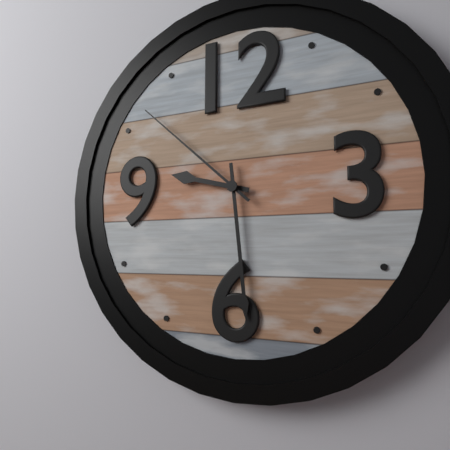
9:29:52
